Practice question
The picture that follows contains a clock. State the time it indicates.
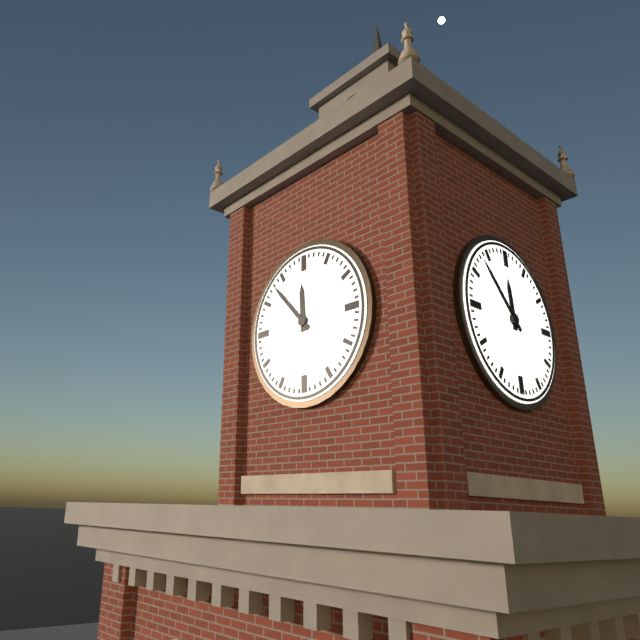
11:53
